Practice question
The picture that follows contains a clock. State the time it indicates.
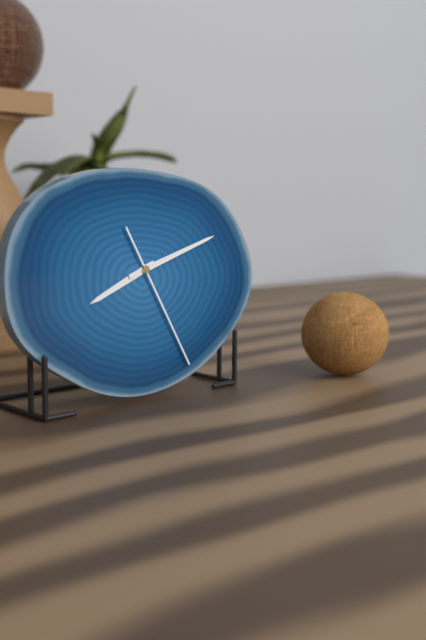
8:12:25
